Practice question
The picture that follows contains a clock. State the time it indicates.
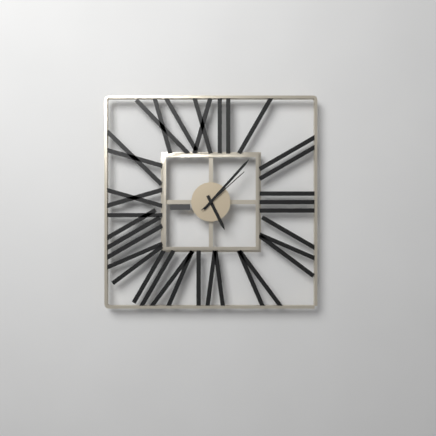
5:07:08
